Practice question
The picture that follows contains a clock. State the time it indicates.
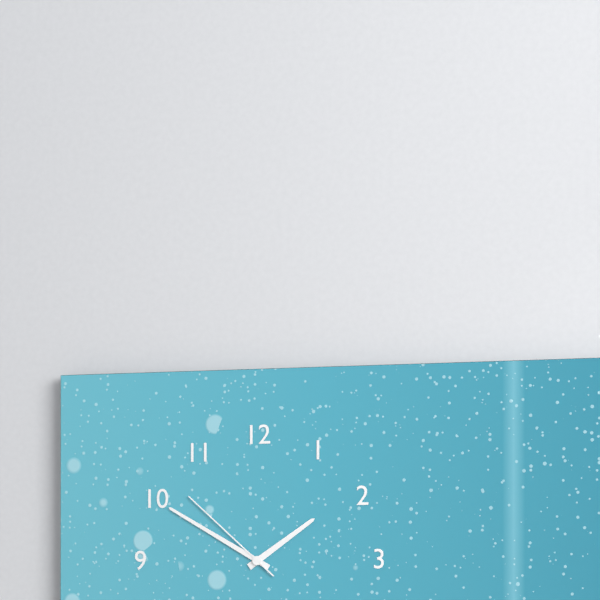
1:50:52
